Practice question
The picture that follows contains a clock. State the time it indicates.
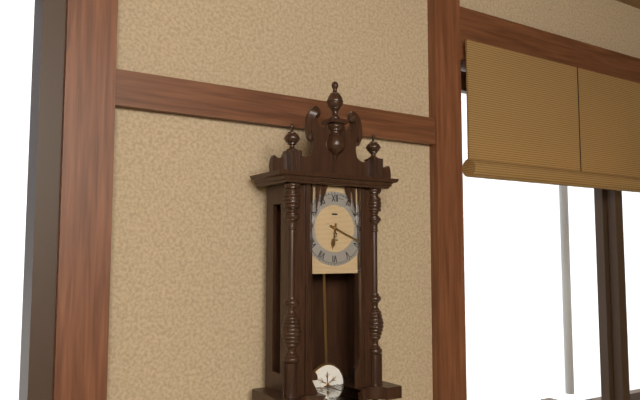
6:19
